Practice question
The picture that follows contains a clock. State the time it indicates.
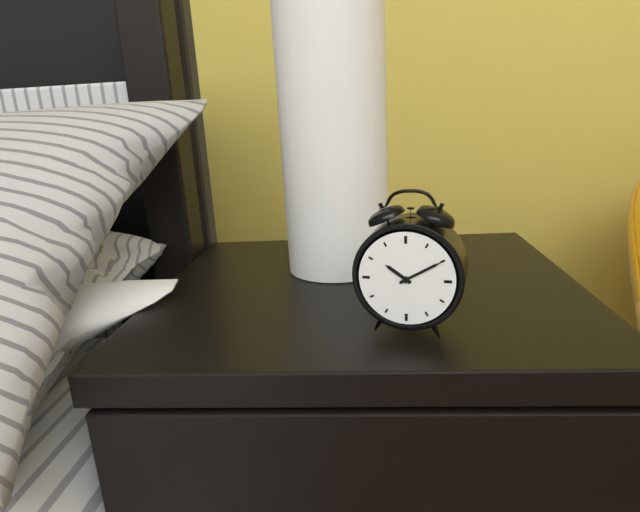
10:10
